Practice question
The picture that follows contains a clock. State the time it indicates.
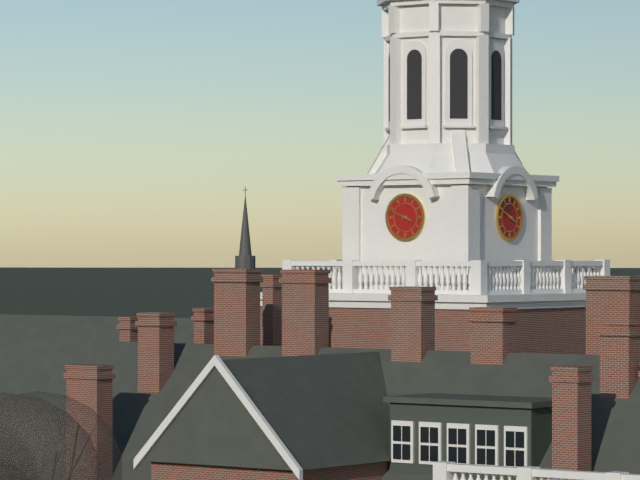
3:49
